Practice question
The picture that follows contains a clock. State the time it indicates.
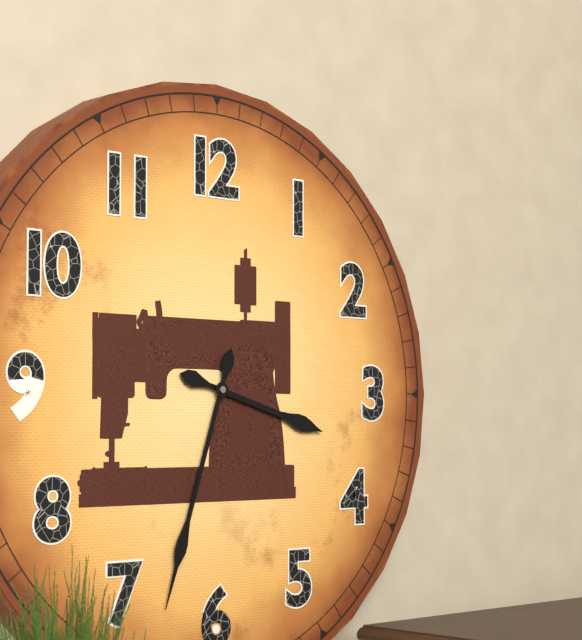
3:33
